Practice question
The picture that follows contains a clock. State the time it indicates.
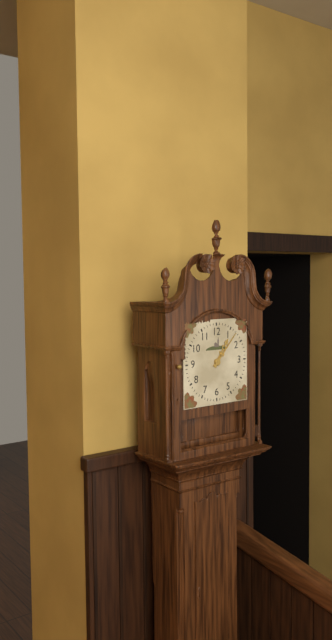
1:07
